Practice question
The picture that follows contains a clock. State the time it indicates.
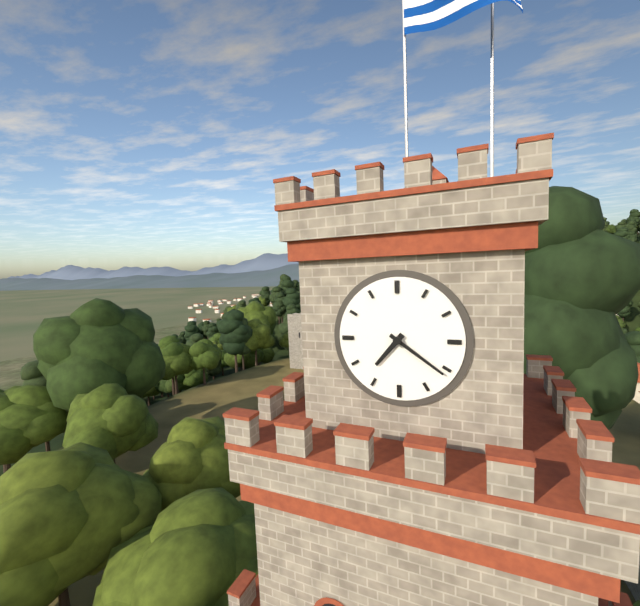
7:21
